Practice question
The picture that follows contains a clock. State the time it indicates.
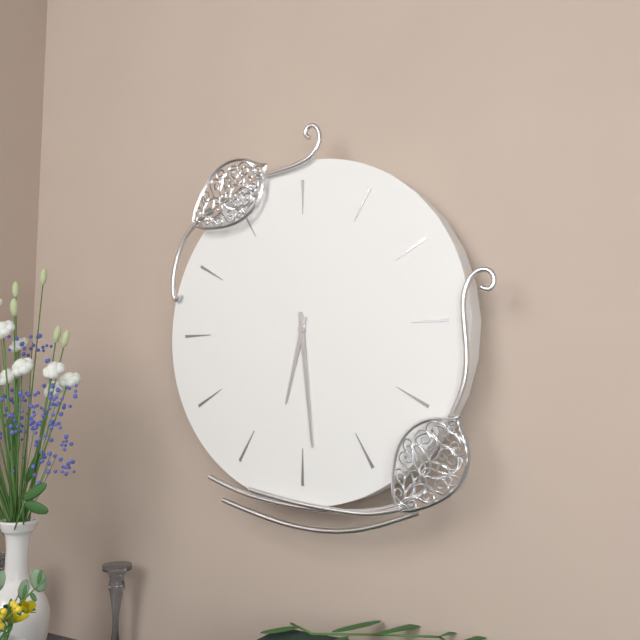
6:29
